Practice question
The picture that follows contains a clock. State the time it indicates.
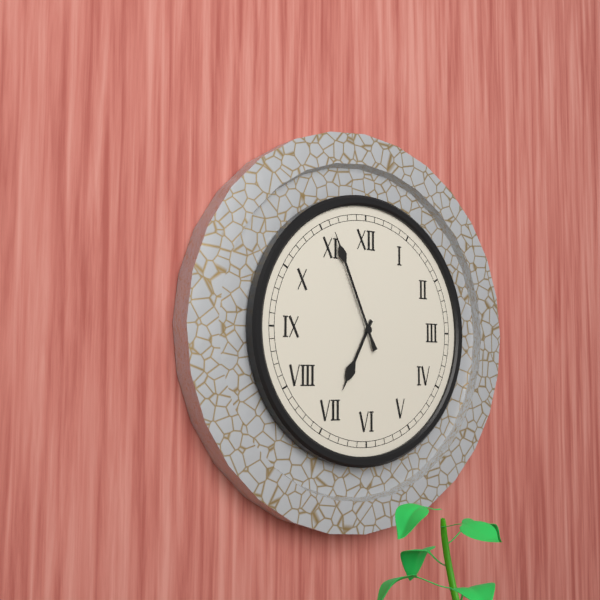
6:56
